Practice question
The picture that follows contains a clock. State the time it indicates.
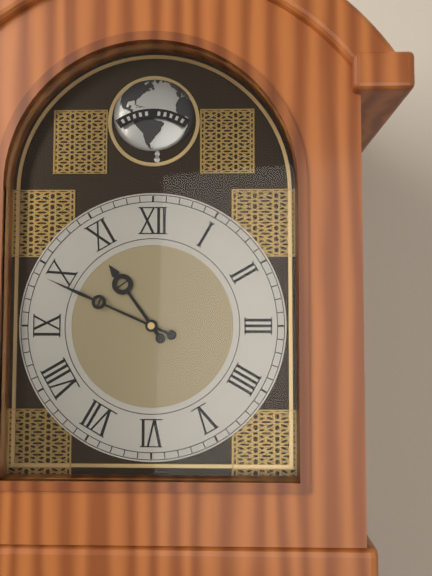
10:49
